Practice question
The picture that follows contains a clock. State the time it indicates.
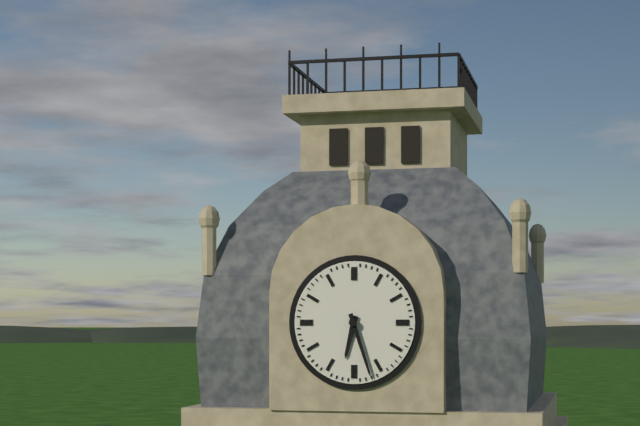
6:27
